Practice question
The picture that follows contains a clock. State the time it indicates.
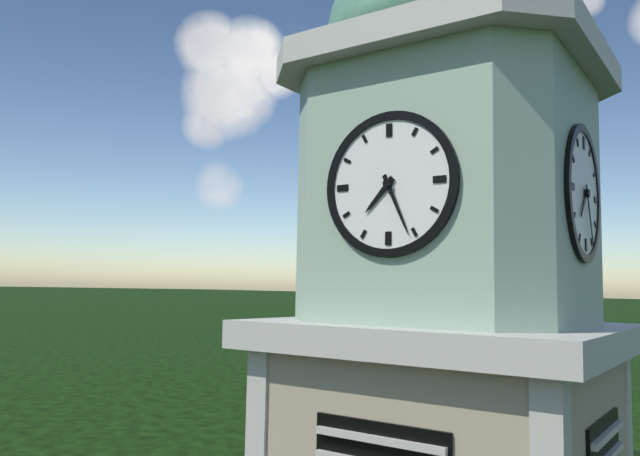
7:26
